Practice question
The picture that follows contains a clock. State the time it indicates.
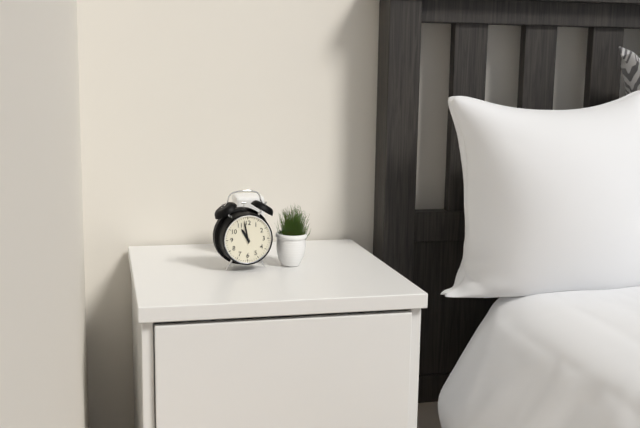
10:58
